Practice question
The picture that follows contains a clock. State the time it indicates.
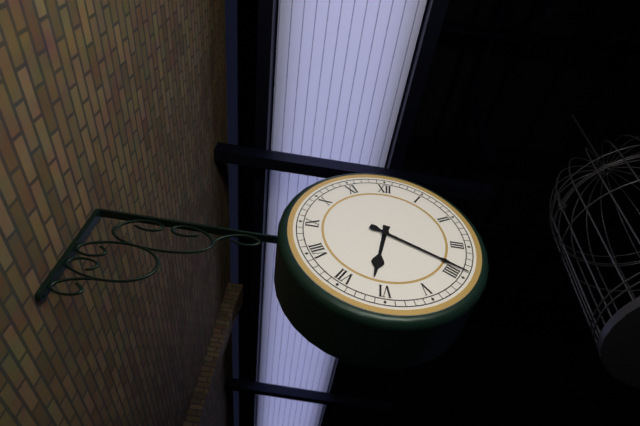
6:19
